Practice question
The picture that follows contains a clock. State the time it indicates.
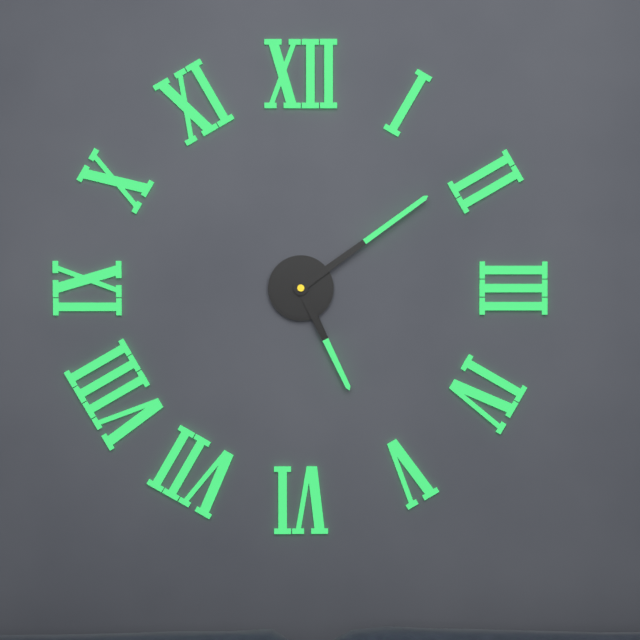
5:09
